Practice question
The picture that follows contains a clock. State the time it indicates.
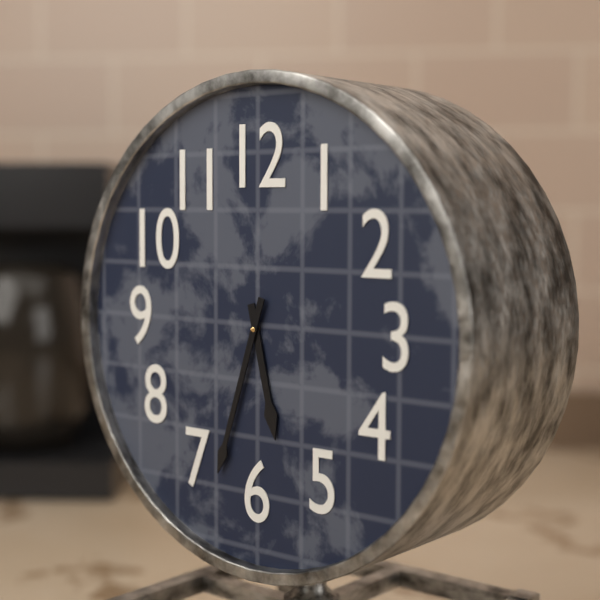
5:33
